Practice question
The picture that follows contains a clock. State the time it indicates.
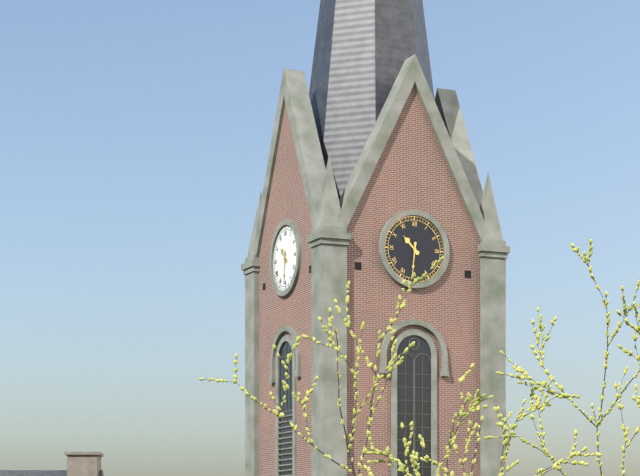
10:31
